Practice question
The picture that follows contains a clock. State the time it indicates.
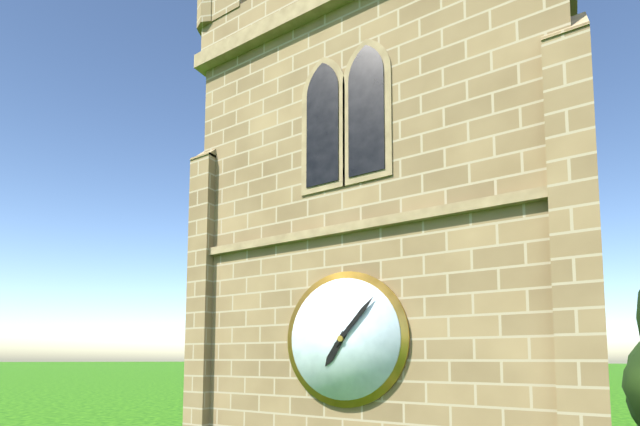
7:07
